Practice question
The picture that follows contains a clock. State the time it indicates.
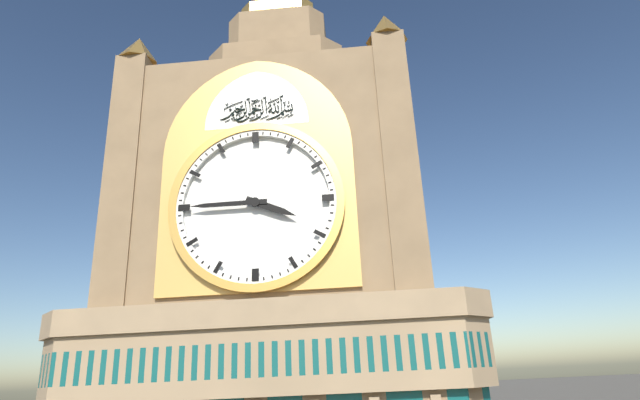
3:45
